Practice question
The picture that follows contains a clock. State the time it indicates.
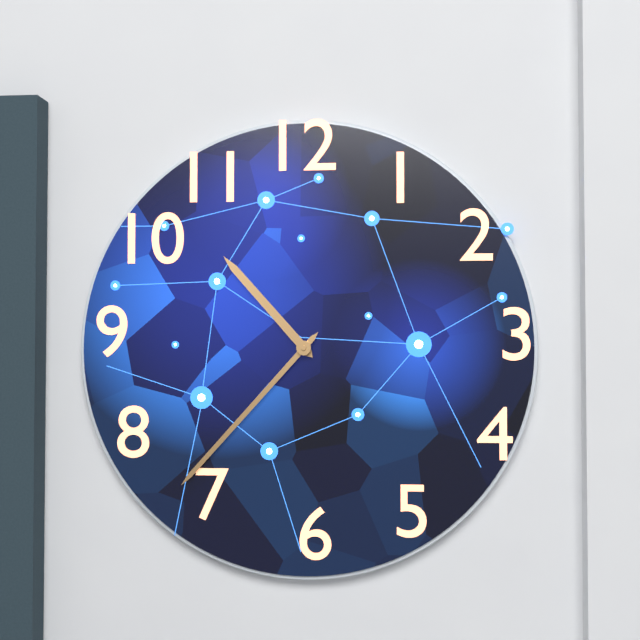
10:37
